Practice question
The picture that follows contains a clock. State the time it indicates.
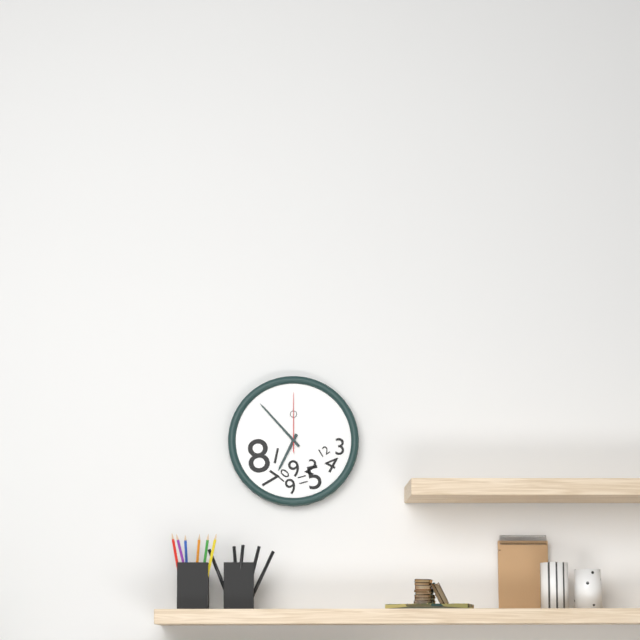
6:53:00
